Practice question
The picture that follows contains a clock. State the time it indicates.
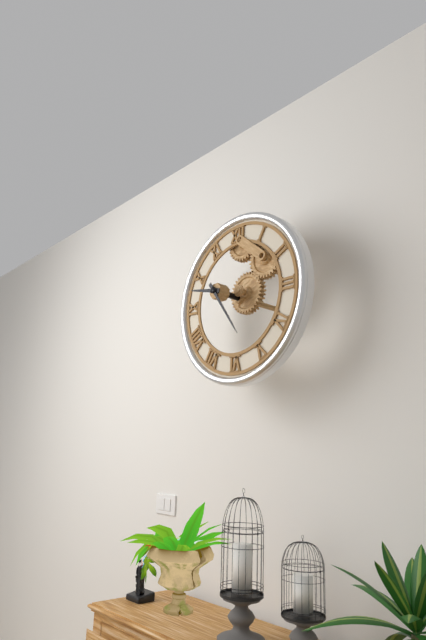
9:24
